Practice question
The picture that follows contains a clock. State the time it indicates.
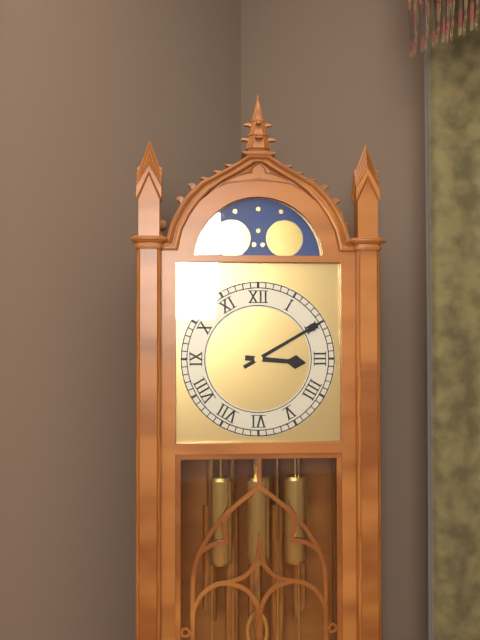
3:10
